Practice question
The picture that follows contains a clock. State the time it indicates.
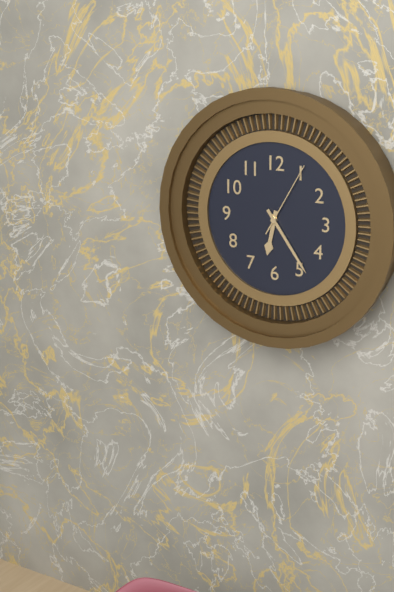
6:24:05
